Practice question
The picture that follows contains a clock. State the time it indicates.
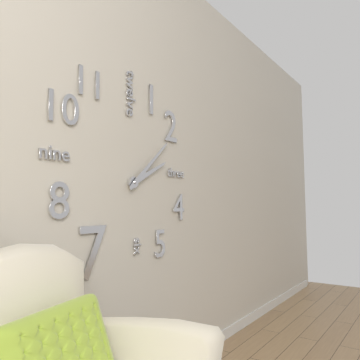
2:08
